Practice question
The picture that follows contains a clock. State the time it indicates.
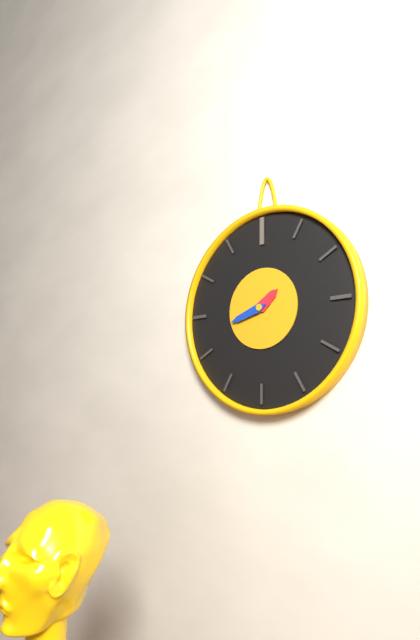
1:42
